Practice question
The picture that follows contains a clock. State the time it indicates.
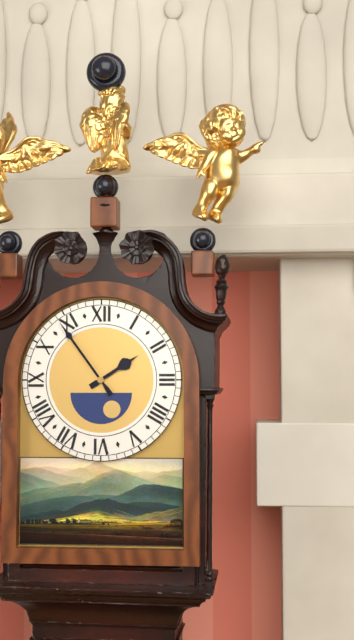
1:54
